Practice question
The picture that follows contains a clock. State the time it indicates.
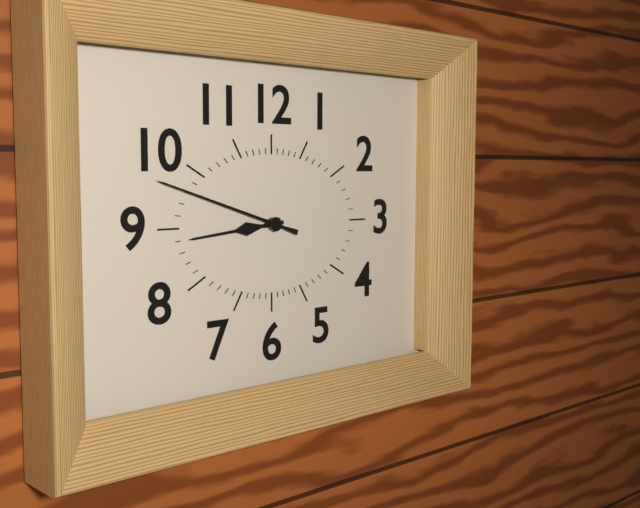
8:48
